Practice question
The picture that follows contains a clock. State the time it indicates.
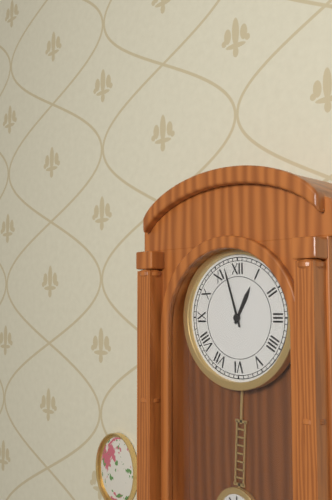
12:57
